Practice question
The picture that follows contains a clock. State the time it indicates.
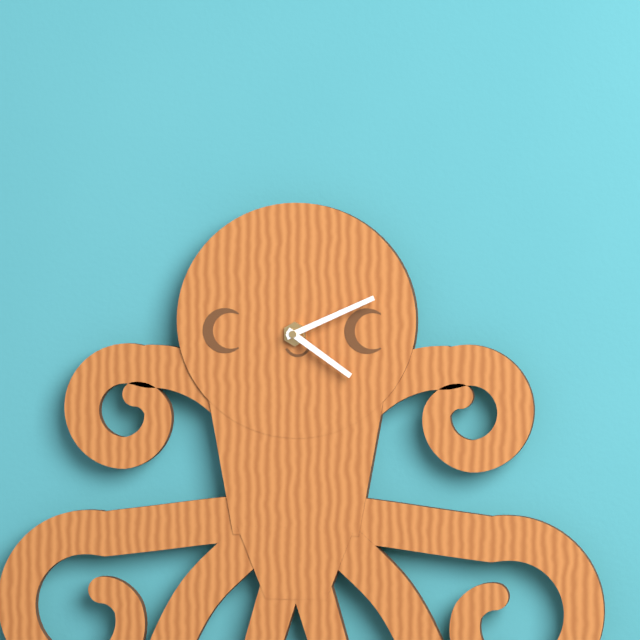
4:11
